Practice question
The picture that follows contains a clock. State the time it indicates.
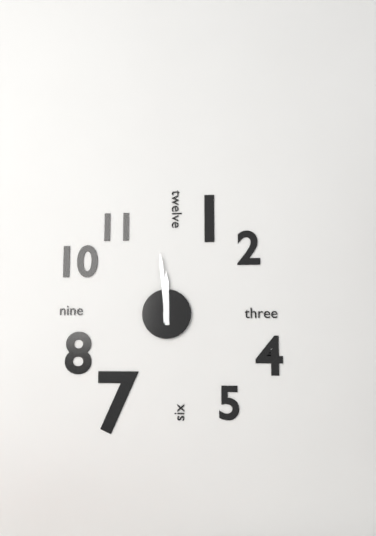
11:59
